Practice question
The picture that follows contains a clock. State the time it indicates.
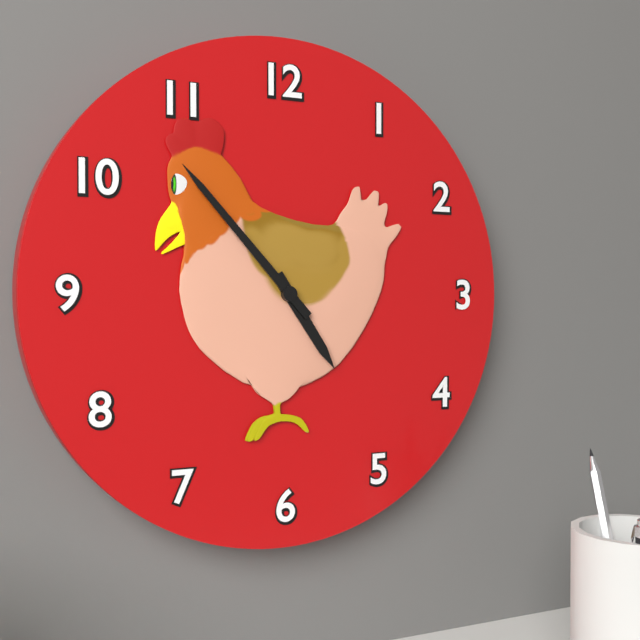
4:53
